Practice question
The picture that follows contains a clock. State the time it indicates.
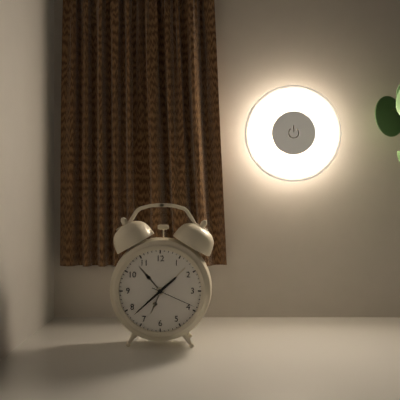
1:38
